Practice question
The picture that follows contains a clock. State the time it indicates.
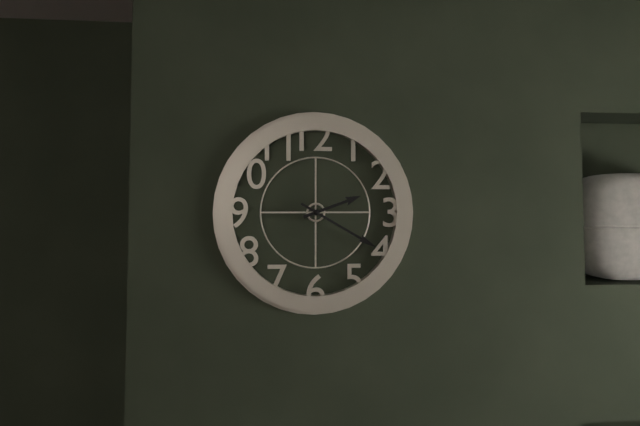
2:20
